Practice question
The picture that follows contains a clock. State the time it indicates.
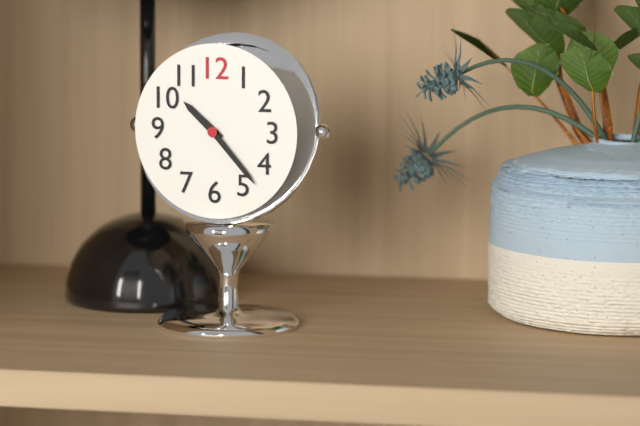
10:23
